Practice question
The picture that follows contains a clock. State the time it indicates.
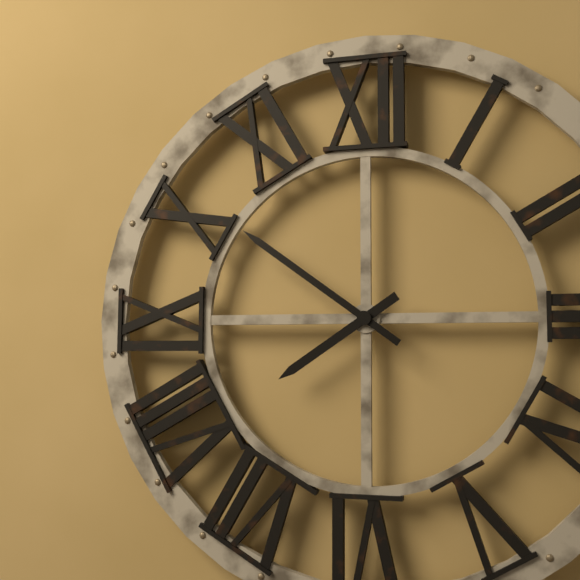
7:51
